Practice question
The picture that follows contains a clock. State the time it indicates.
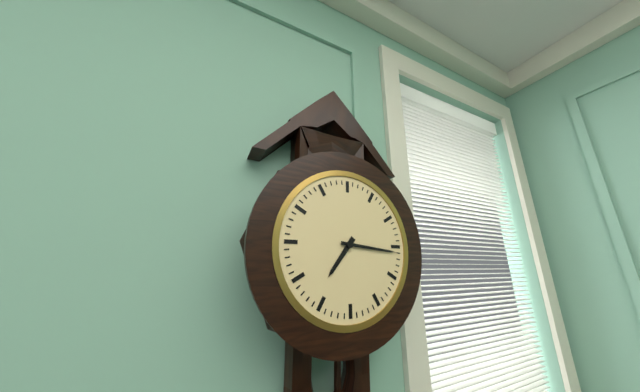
7:16
